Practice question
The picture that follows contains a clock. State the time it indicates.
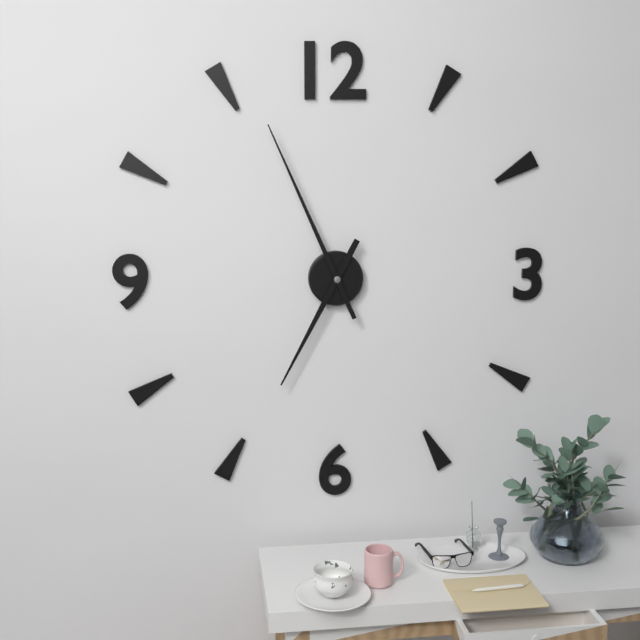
6:56
